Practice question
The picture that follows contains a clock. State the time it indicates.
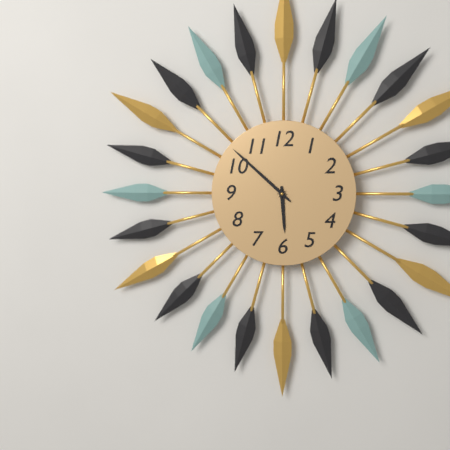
5:52
